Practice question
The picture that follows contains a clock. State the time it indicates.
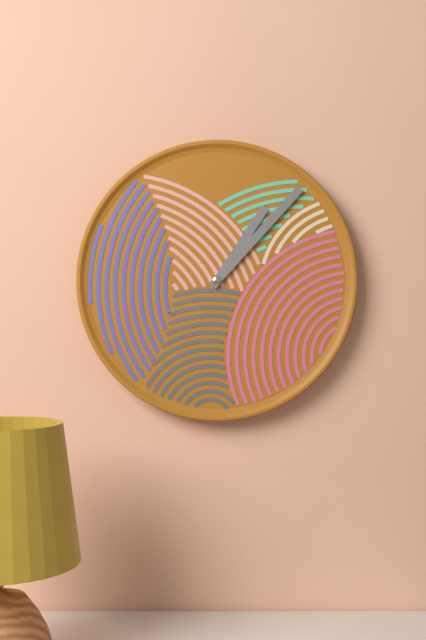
1:07
